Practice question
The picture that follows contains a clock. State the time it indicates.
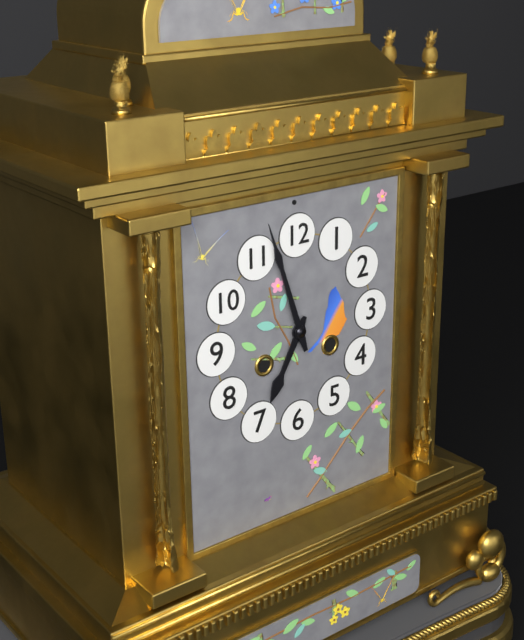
6:57
